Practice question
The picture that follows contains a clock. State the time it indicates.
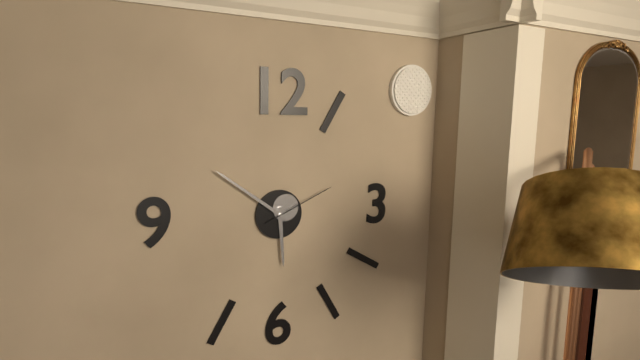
5:51:11
